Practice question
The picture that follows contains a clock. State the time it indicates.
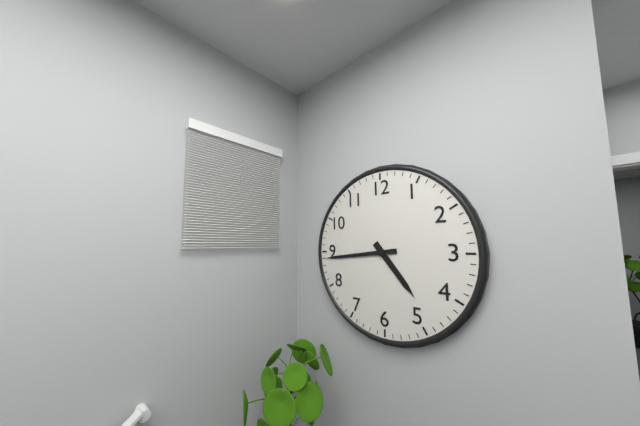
4:44
